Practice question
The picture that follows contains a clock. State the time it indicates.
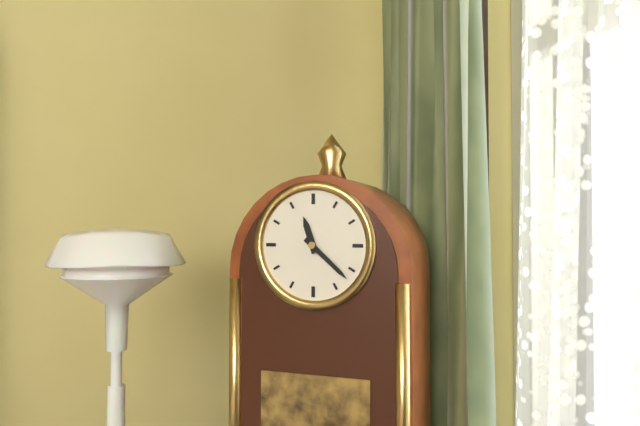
11:22
